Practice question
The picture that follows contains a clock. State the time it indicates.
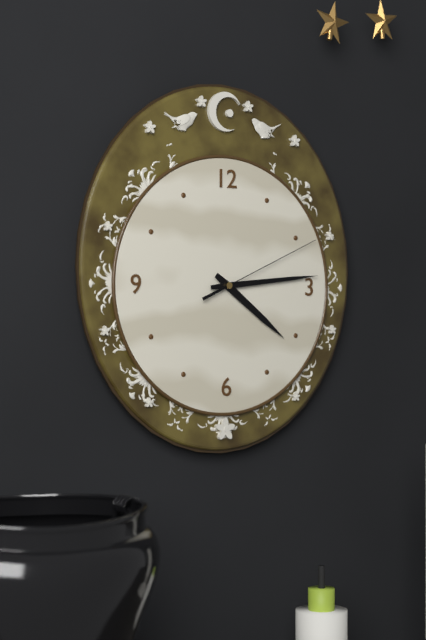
4:14:11
